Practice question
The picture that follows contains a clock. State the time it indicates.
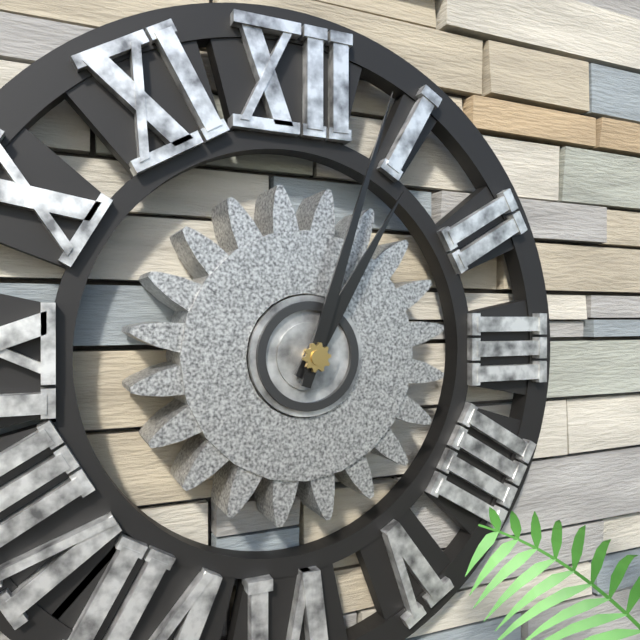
1:03
